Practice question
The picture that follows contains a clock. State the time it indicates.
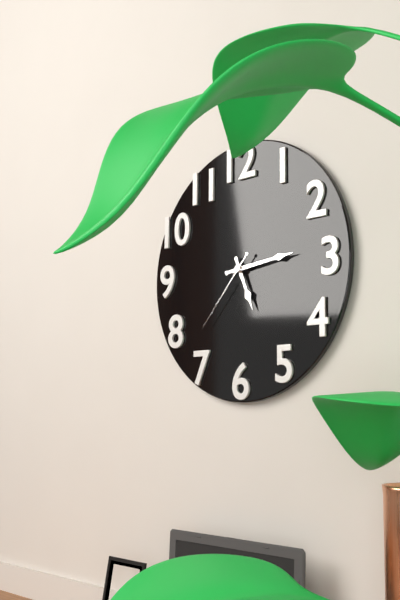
5:14:37
